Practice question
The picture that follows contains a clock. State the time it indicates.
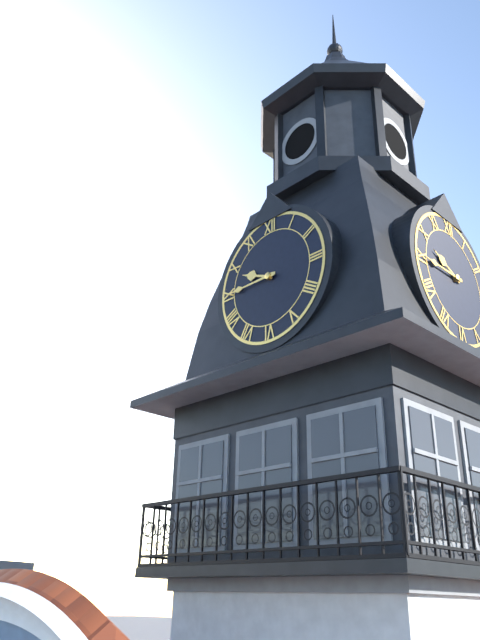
9:45
